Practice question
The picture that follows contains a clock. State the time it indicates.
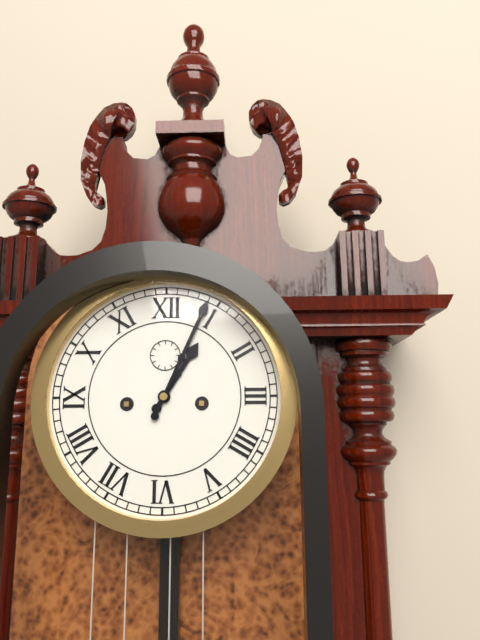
1:04
